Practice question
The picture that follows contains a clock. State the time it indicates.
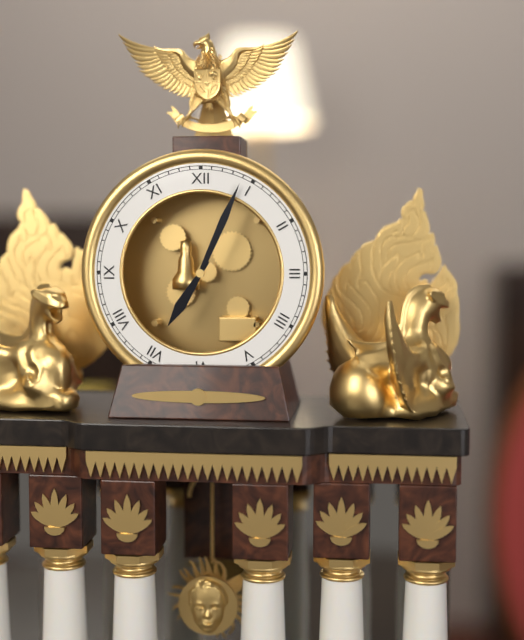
7:04
